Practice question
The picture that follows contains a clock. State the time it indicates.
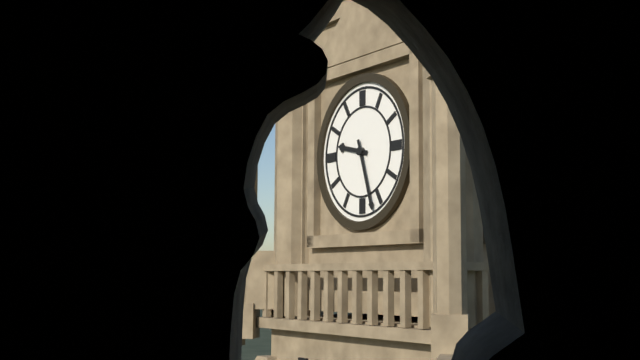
9:27
